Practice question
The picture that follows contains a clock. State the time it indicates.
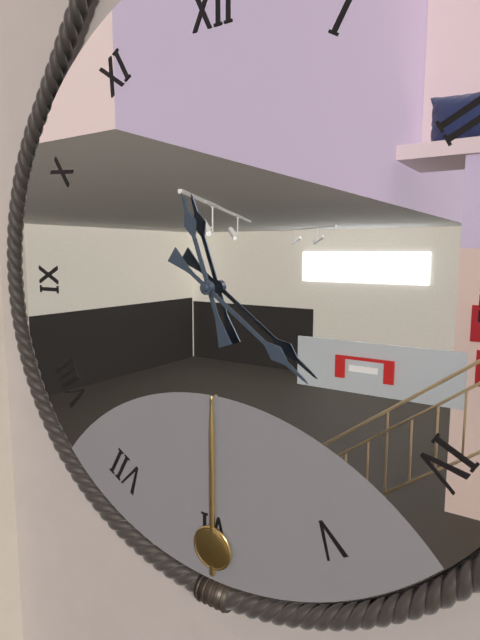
11:21
